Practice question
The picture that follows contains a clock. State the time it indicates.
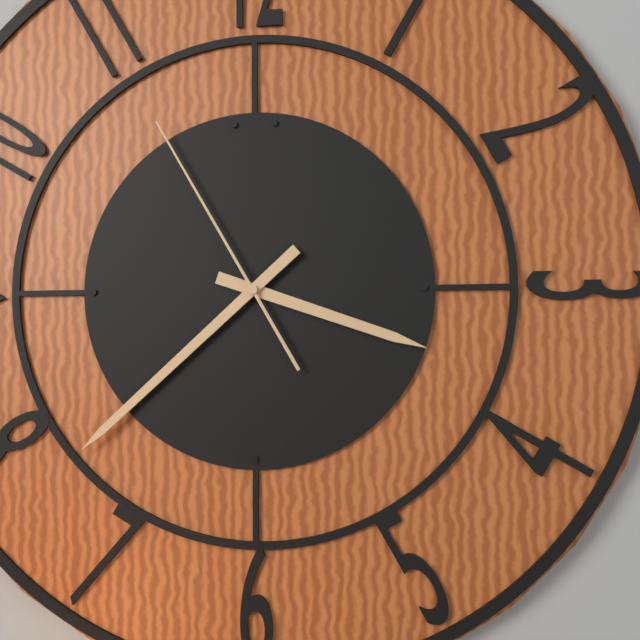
3:38:55
